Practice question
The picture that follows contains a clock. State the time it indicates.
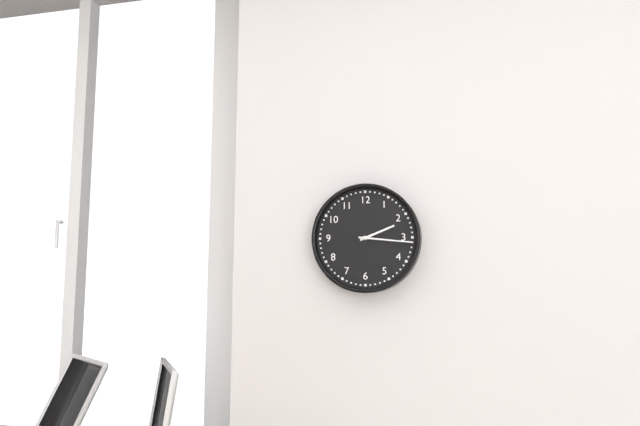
2:16
